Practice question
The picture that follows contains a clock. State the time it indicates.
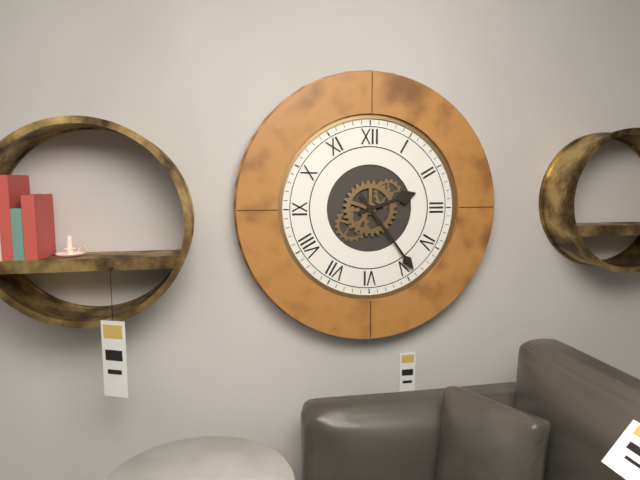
2:24
